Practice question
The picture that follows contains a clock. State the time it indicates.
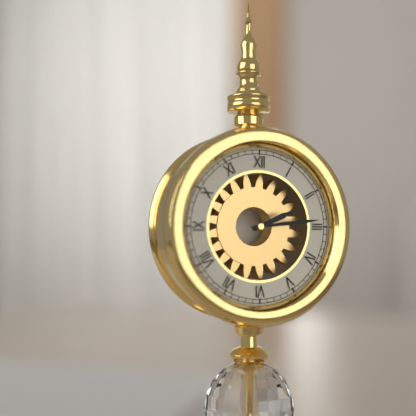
2:14
